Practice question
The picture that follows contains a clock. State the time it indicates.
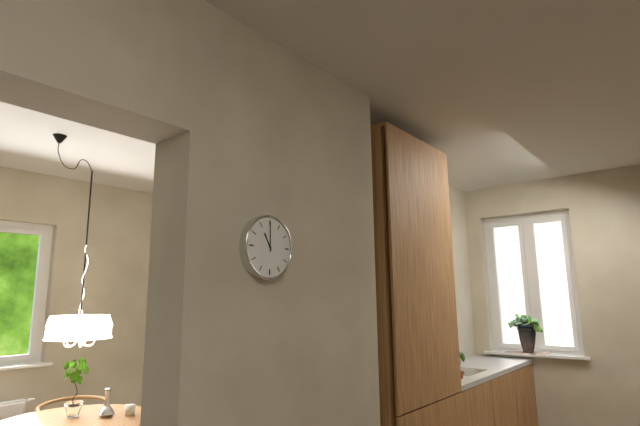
11:00
